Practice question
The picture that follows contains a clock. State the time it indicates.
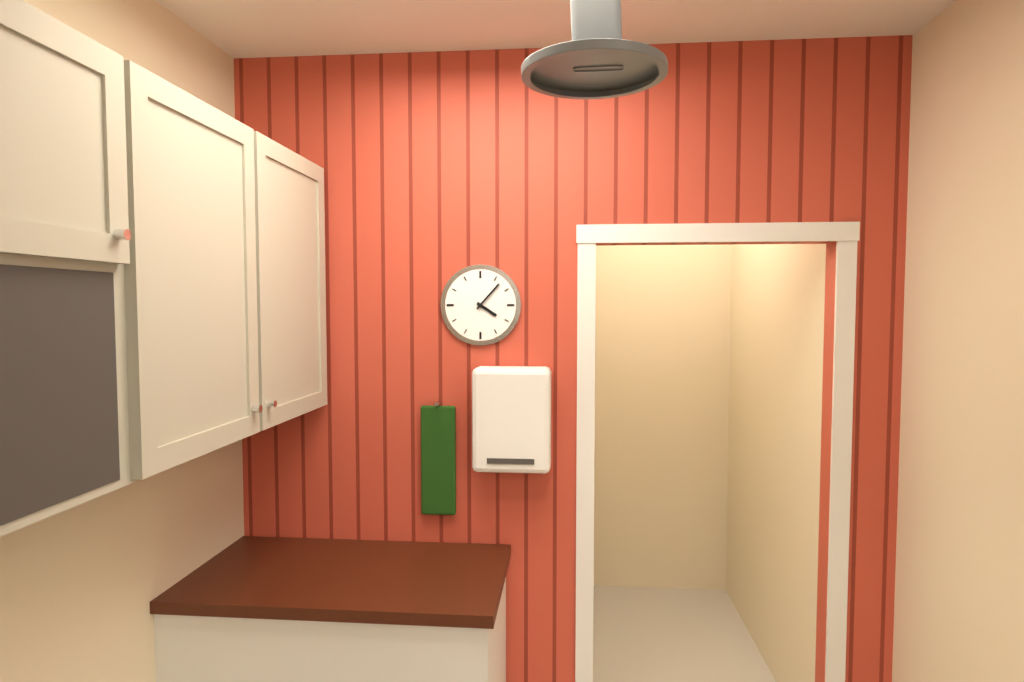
4:07
